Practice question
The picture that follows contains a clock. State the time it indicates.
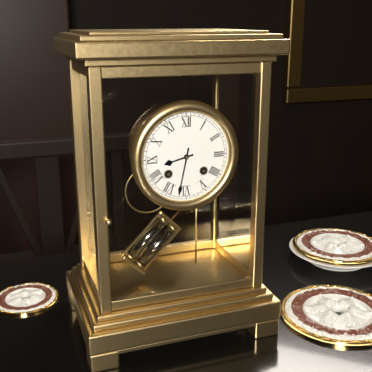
8:32
